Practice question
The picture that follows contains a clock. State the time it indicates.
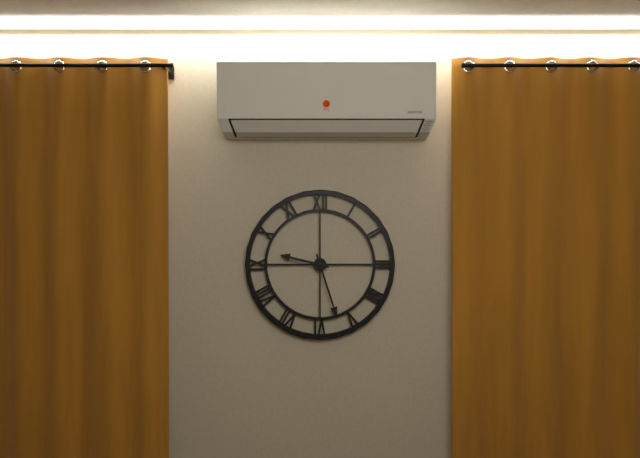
9:27
